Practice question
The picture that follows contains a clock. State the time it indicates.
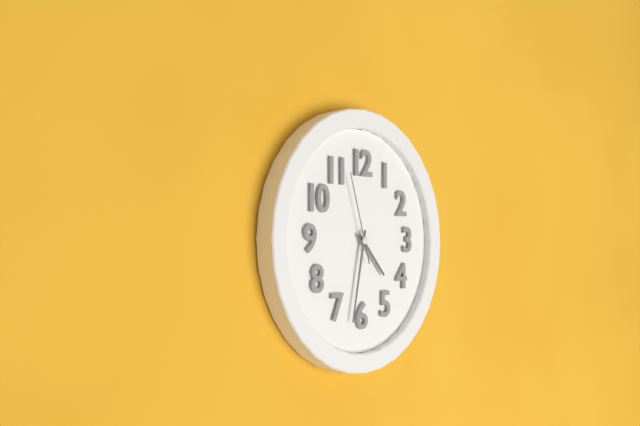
4:32:57
